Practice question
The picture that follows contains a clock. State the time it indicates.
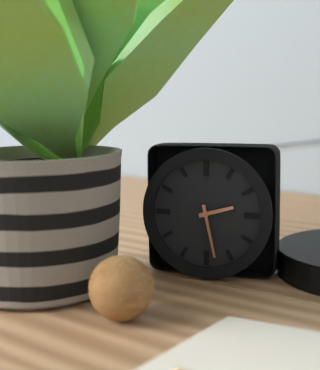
2:28
